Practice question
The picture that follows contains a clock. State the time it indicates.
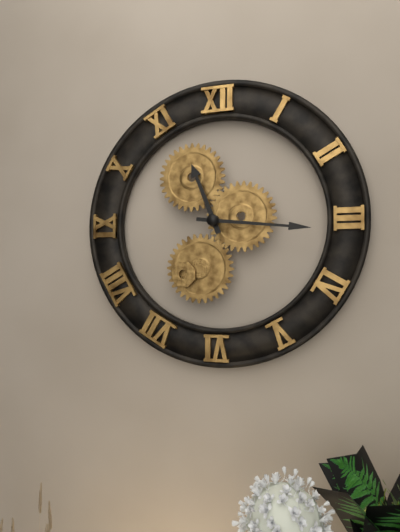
11:16
